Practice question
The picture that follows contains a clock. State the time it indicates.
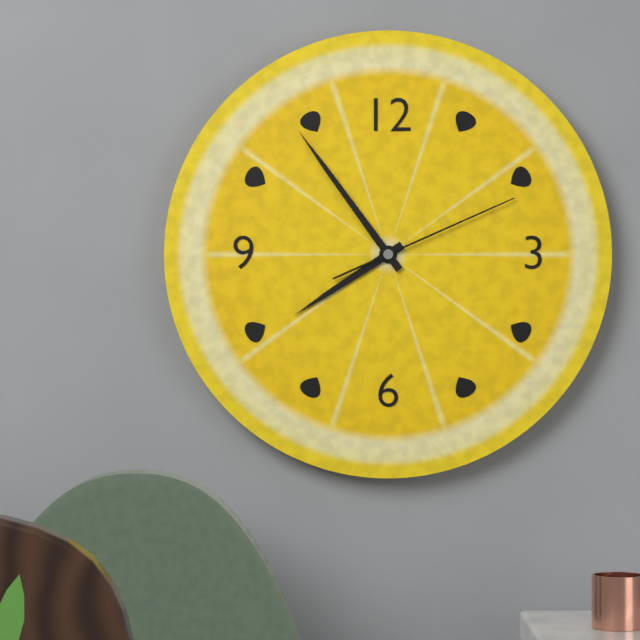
7:54:11
